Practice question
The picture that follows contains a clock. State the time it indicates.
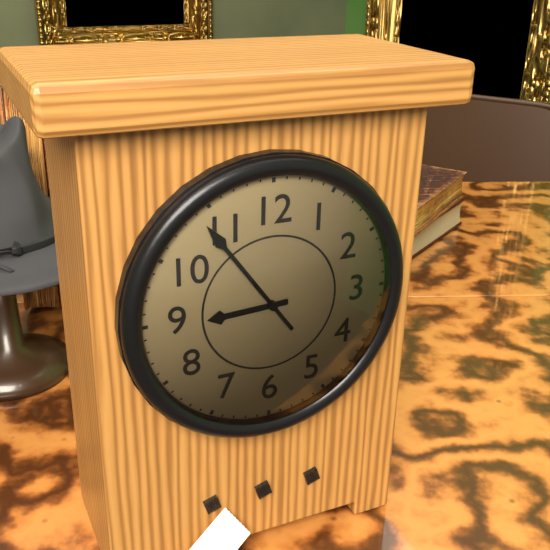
8:54
